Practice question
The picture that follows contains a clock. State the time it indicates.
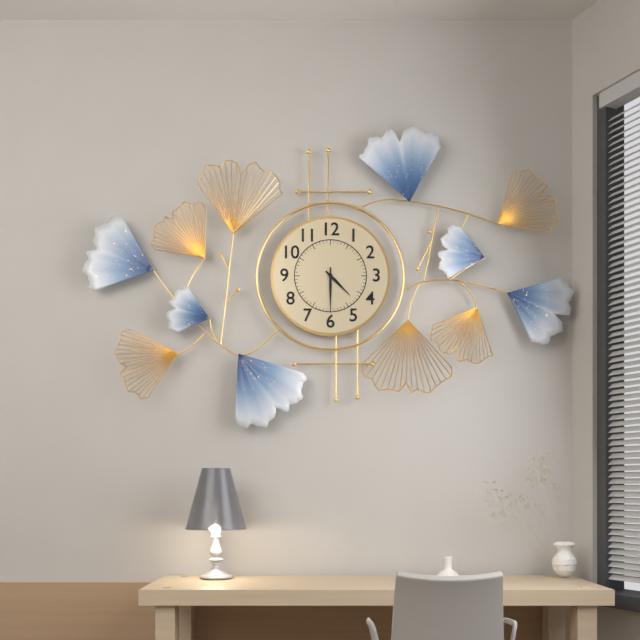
4:30
